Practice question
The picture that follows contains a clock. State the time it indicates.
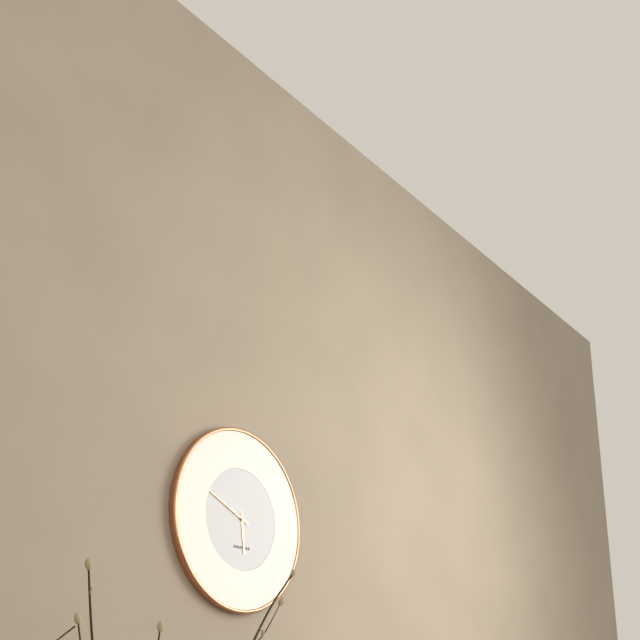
5:49
